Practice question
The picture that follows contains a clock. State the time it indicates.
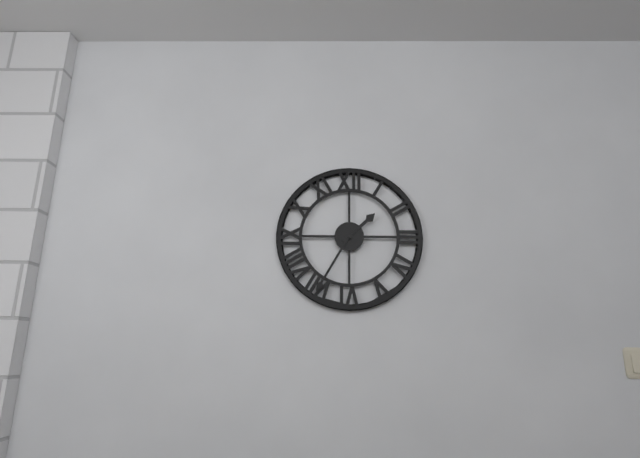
1:35
